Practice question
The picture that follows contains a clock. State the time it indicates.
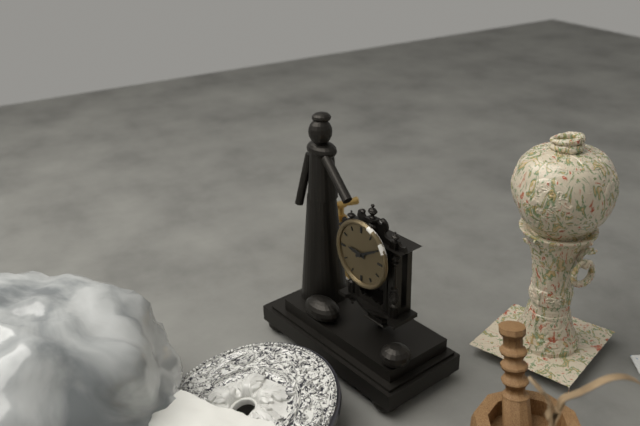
9:10
